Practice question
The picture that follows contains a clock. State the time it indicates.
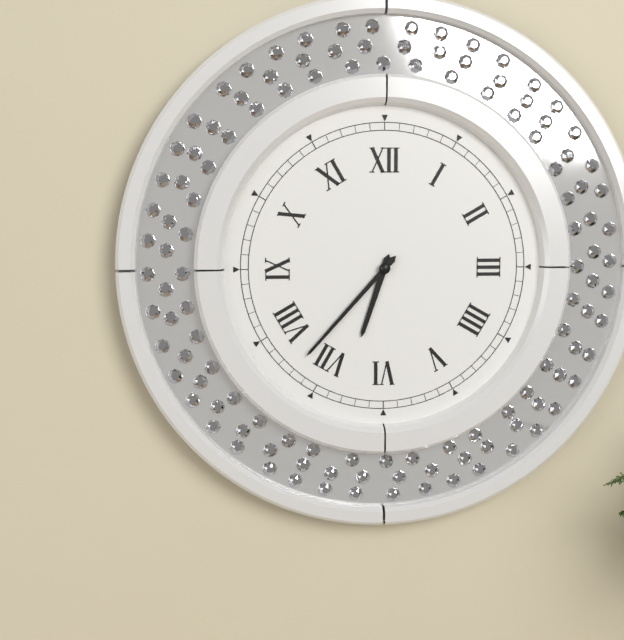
6:37
